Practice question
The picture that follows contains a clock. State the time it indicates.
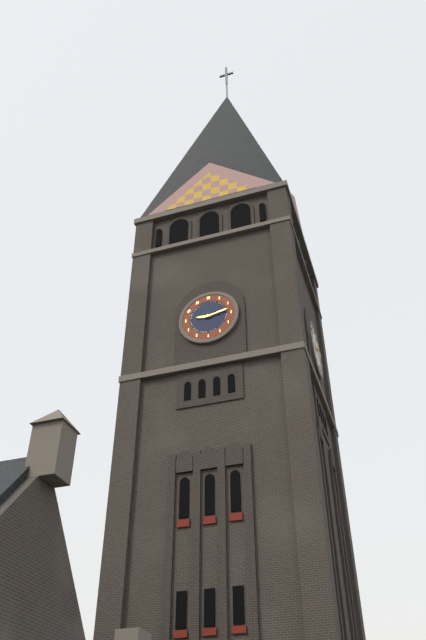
9:13
